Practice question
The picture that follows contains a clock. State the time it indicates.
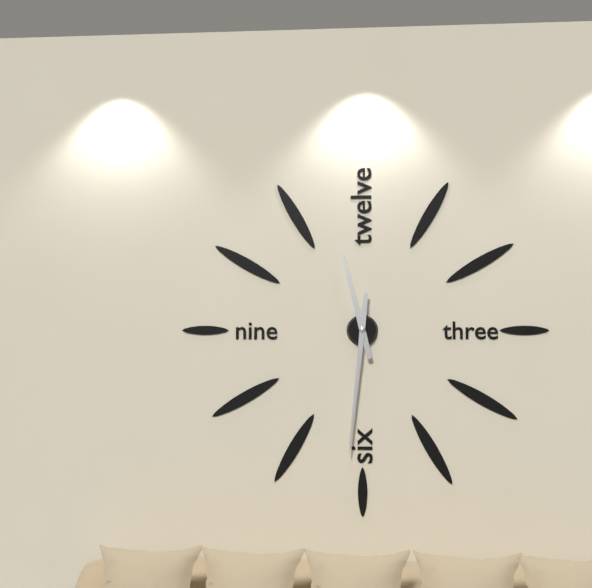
11:31
